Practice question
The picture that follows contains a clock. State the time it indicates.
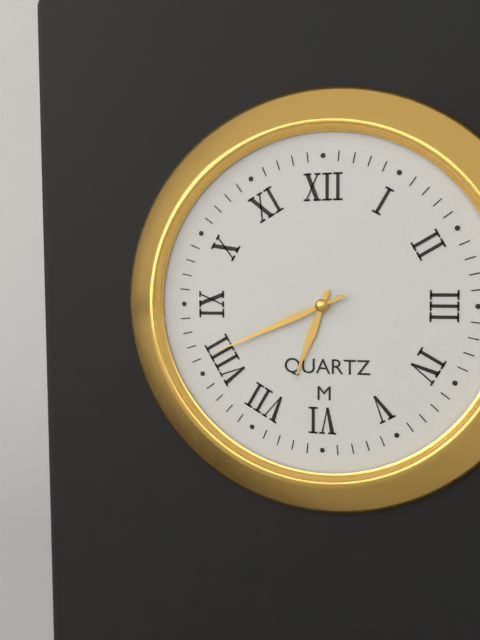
6:41
